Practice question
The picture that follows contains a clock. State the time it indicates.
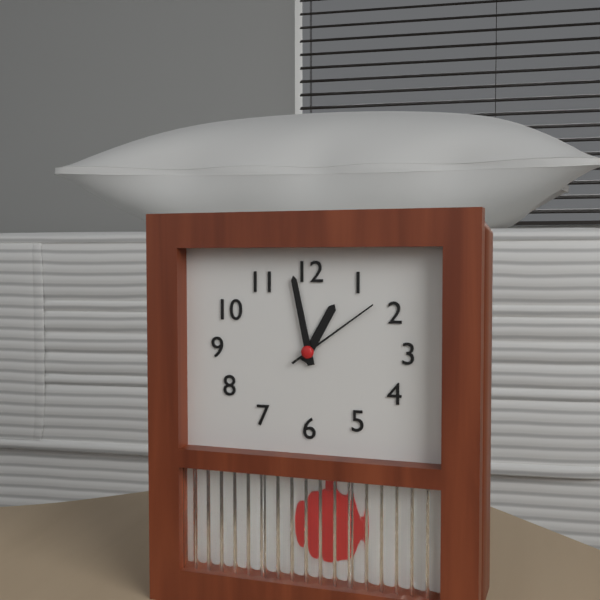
12:58:09
